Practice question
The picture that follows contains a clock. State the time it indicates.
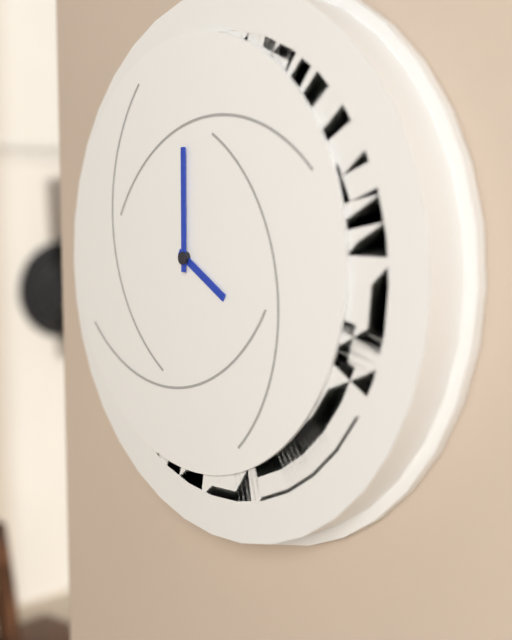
4:00
